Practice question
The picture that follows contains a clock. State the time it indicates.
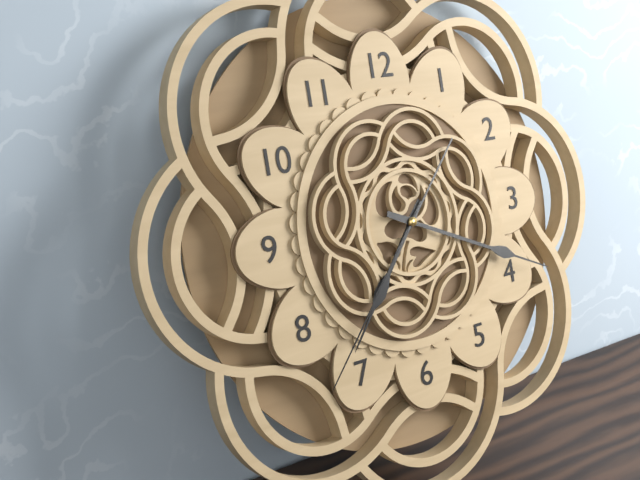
7:19:37
